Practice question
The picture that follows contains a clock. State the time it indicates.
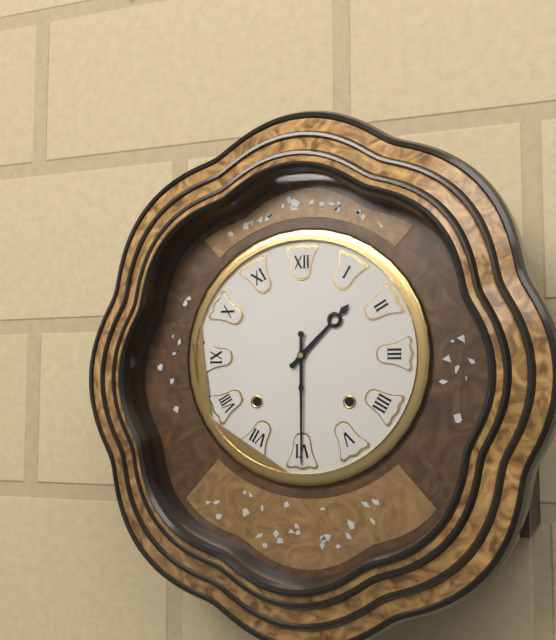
1:30
